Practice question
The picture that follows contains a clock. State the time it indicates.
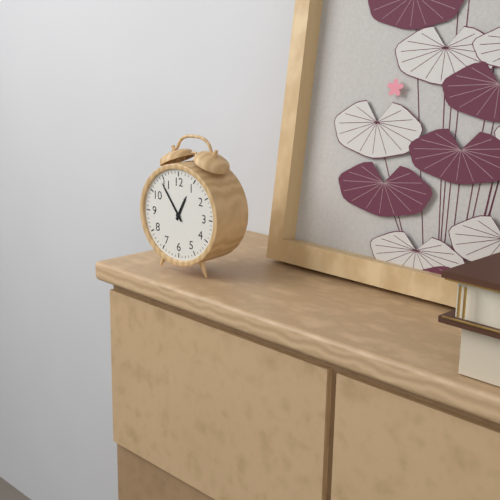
12:54
